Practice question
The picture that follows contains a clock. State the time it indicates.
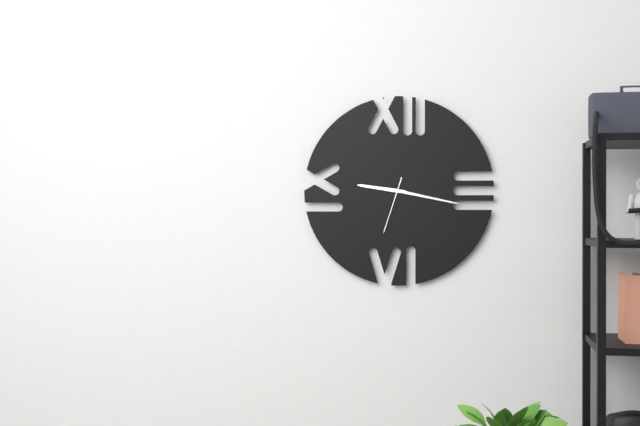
9:17:33
